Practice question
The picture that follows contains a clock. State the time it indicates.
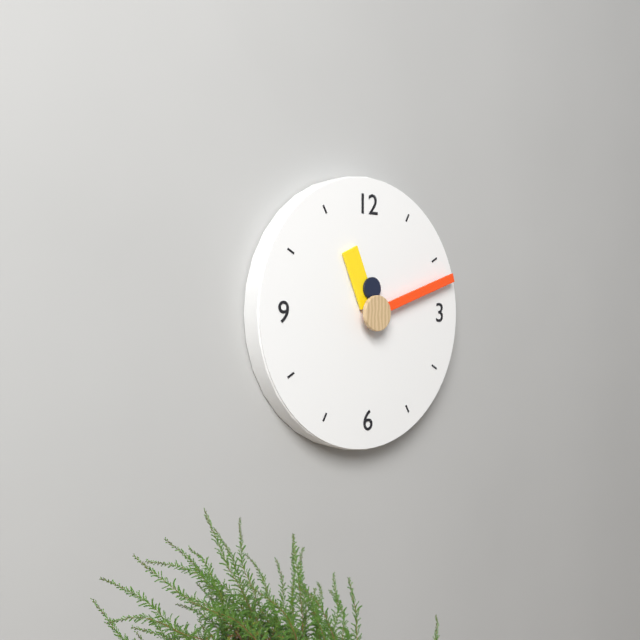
11:12
